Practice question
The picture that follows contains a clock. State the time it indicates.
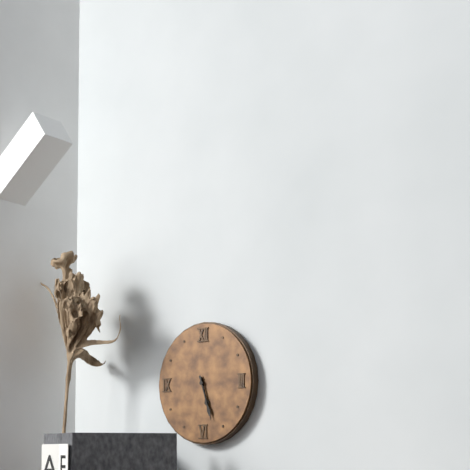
5:27
